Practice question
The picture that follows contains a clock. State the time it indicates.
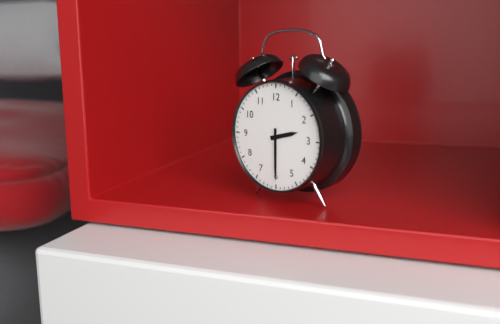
2:30
